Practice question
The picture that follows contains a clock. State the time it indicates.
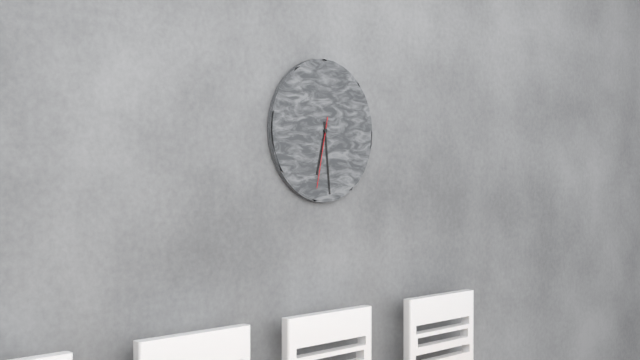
6:29:32
